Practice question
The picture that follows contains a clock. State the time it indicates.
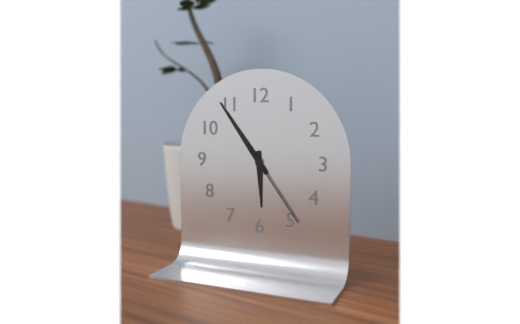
5:54:24
